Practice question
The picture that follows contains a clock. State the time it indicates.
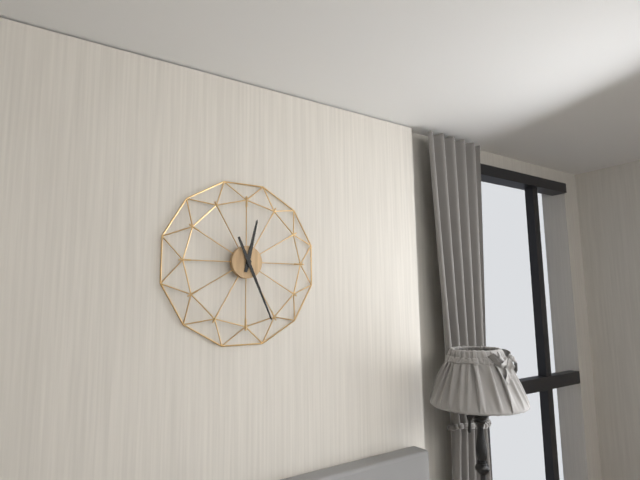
12:26
